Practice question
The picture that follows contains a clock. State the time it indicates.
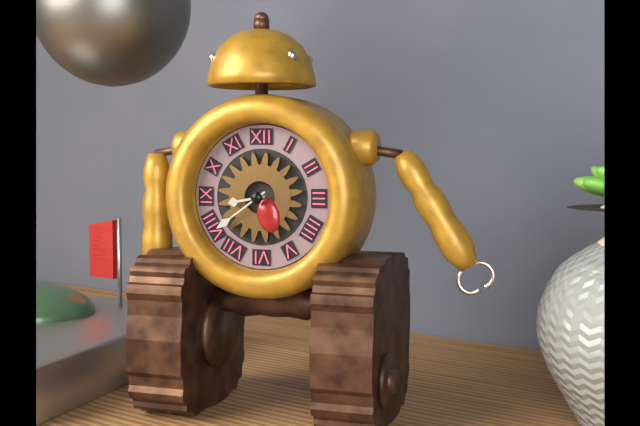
8:39
